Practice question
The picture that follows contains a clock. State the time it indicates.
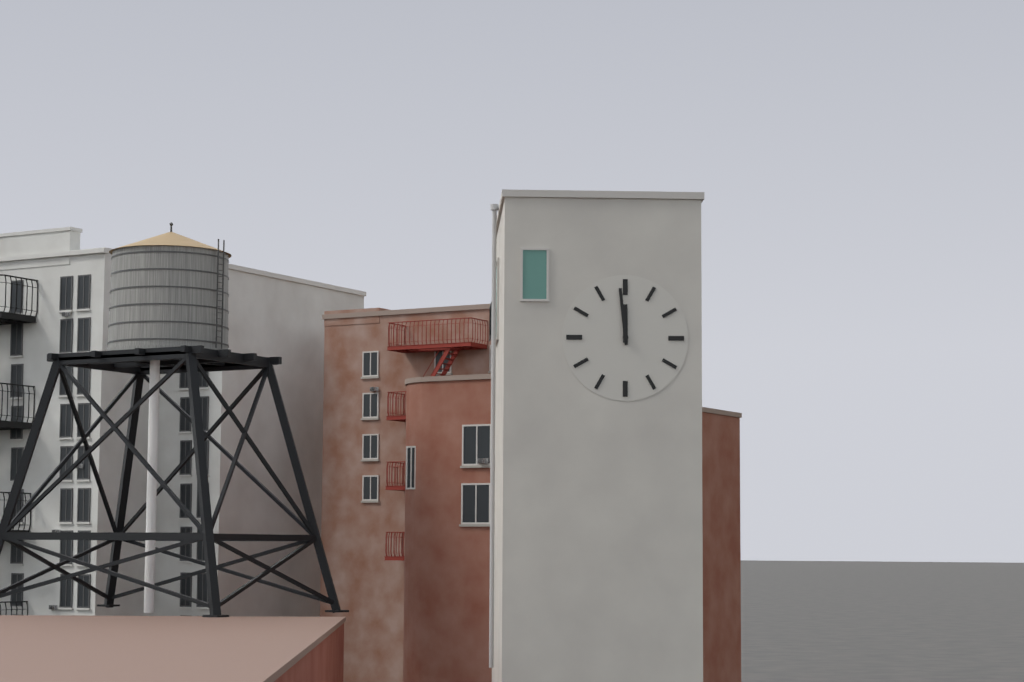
11:59
